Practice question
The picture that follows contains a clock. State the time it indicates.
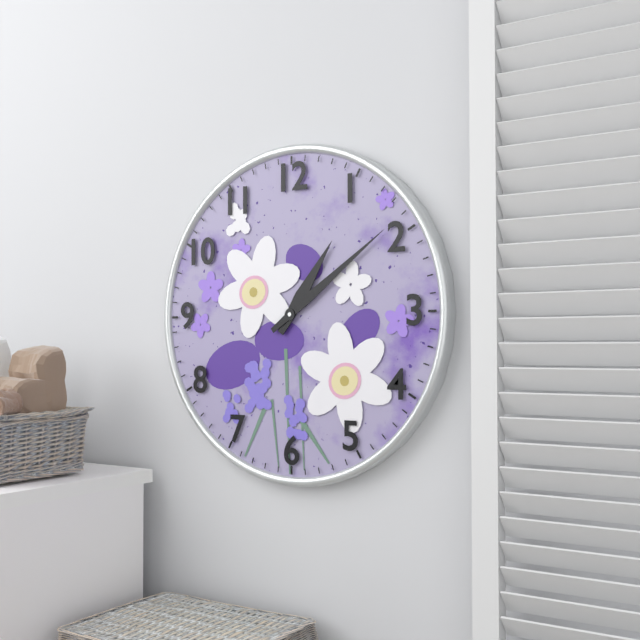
1:09
